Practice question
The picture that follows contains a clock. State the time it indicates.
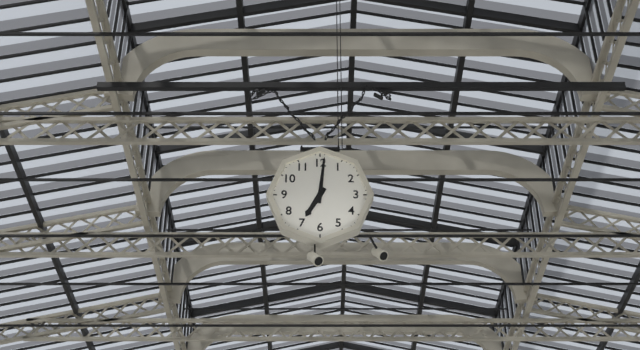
7:01
